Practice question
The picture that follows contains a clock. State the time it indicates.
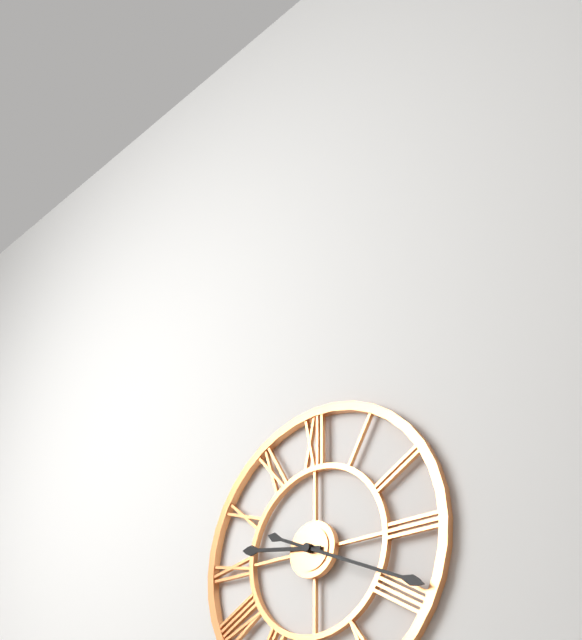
9:19
